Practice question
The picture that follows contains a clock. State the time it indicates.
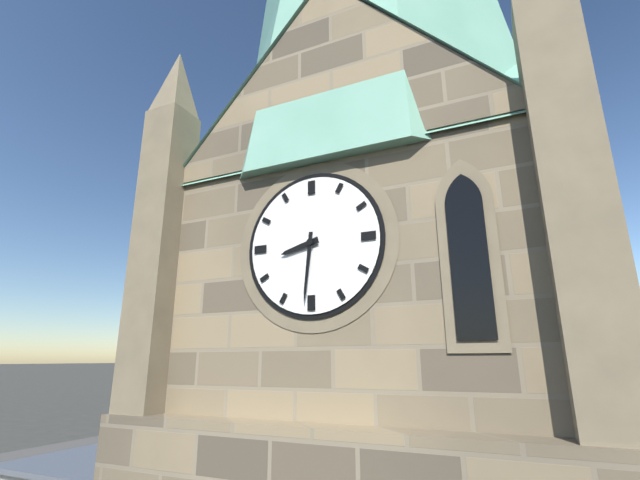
8:31
